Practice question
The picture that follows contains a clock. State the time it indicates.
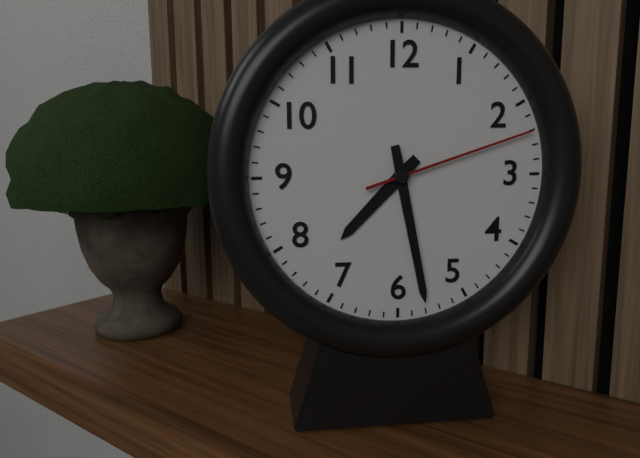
7:28:12
